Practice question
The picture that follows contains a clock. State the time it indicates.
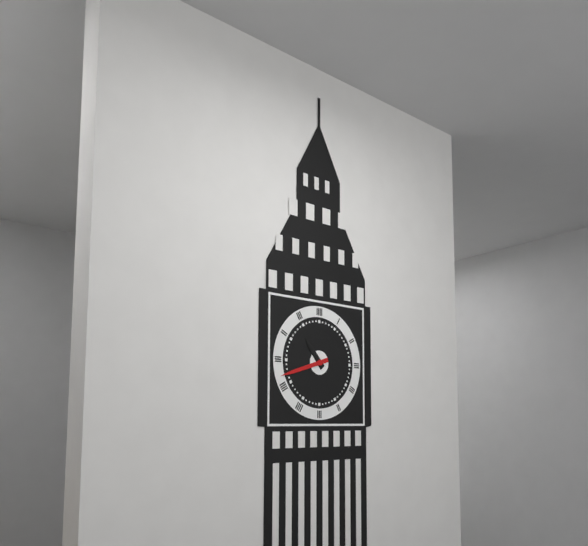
10:42
